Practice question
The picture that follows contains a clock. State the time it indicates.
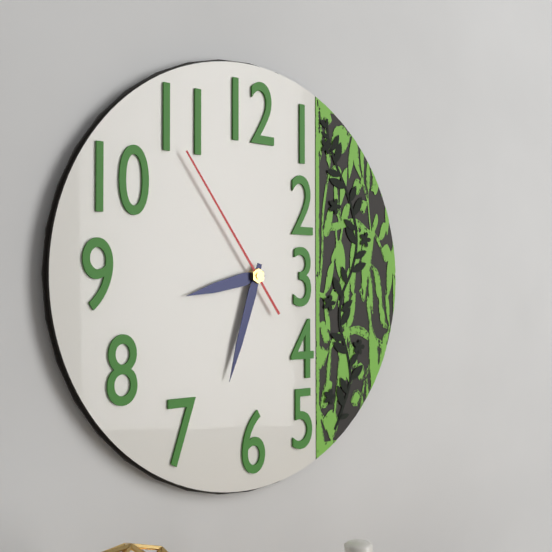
8:33:54
